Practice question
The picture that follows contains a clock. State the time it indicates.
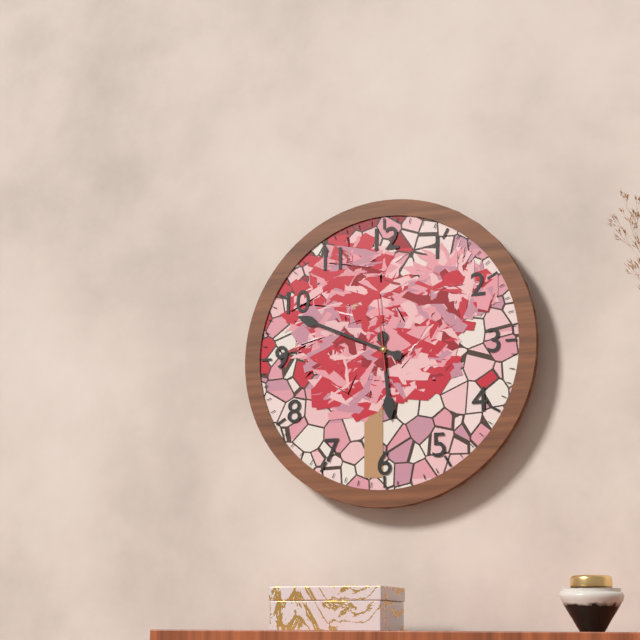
5:49:59
